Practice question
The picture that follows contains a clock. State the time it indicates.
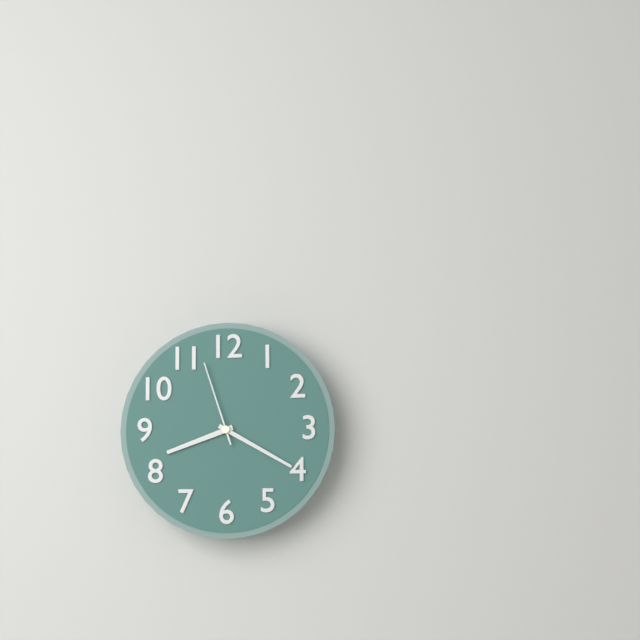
8:20:57
